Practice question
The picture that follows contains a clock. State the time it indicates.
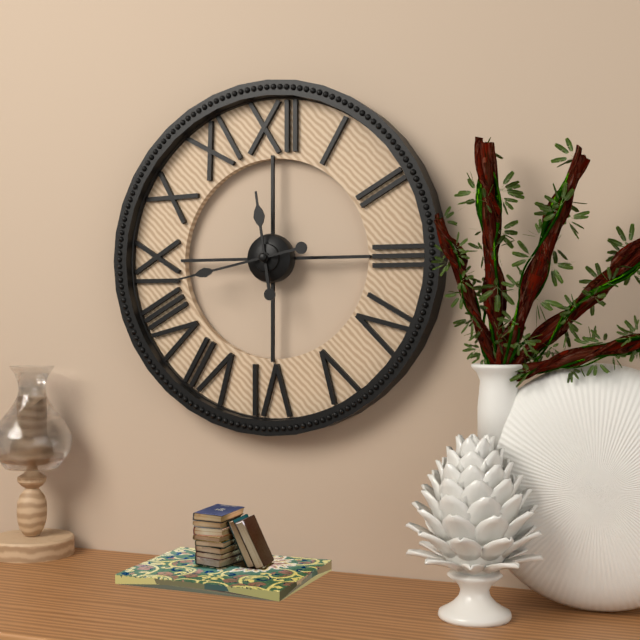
11:43
